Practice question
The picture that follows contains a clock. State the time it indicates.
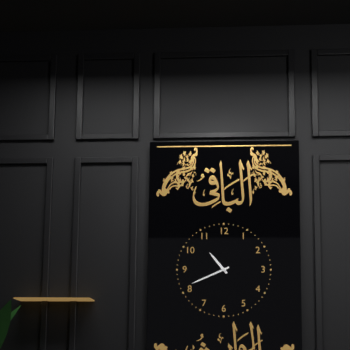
10:41
